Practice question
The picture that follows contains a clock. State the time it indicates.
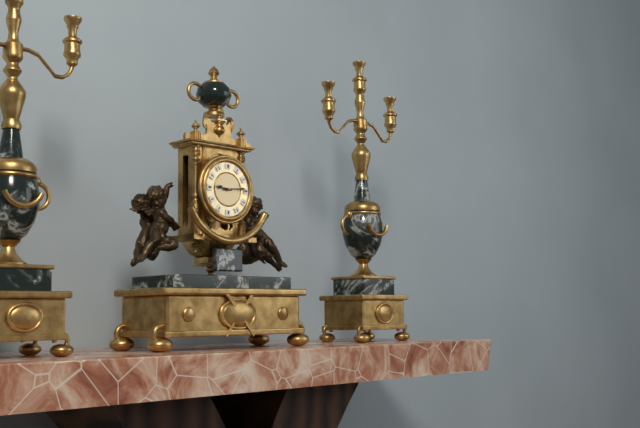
9:14
